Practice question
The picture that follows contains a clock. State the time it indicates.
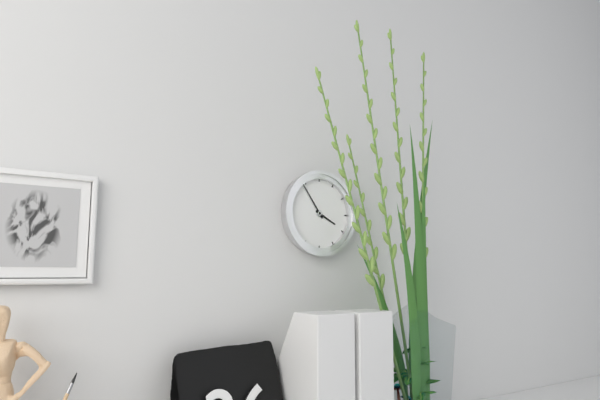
3:54
